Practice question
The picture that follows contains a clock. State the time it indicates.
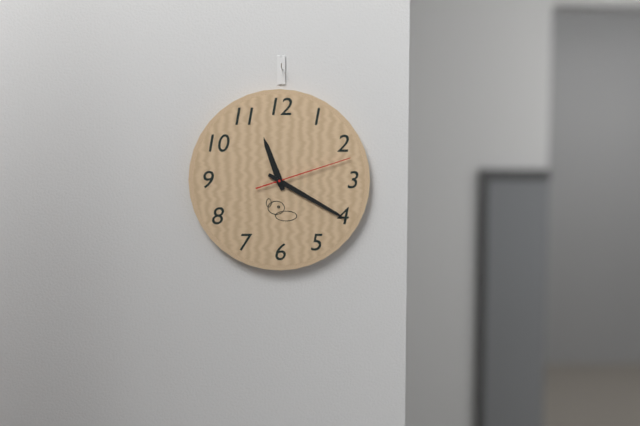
11:20:12
